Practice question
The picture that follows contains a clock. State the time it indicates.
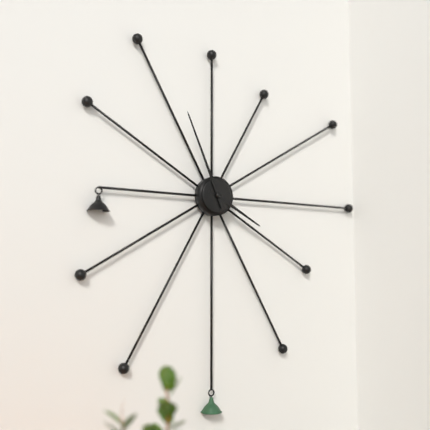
3:56
